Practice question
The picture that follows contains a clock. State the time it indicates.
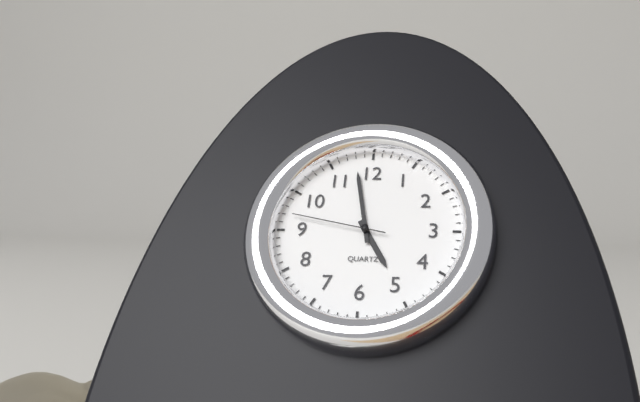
4:58:47
